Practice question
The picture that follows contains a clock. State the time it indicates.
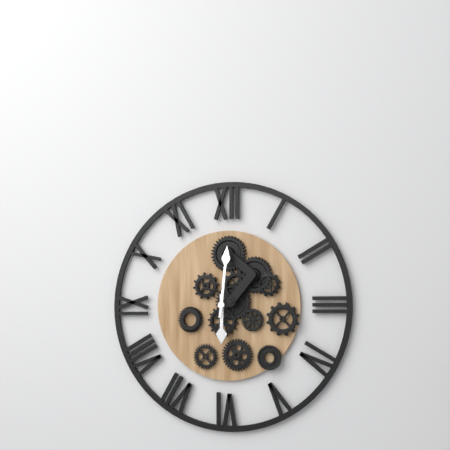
6:01
